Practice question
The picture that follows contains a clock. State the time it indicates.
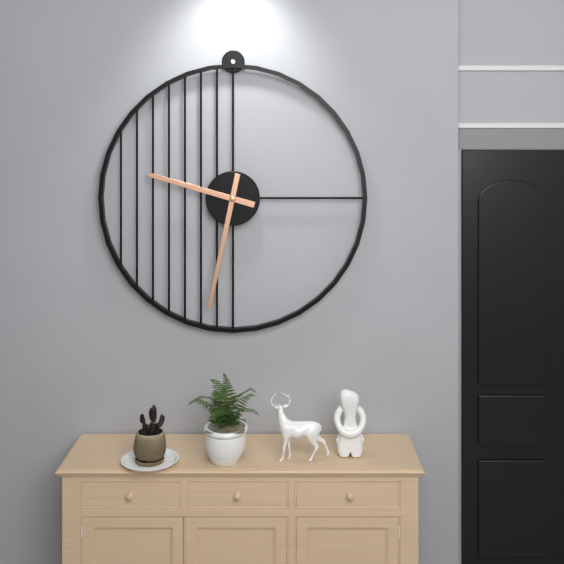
9:32
